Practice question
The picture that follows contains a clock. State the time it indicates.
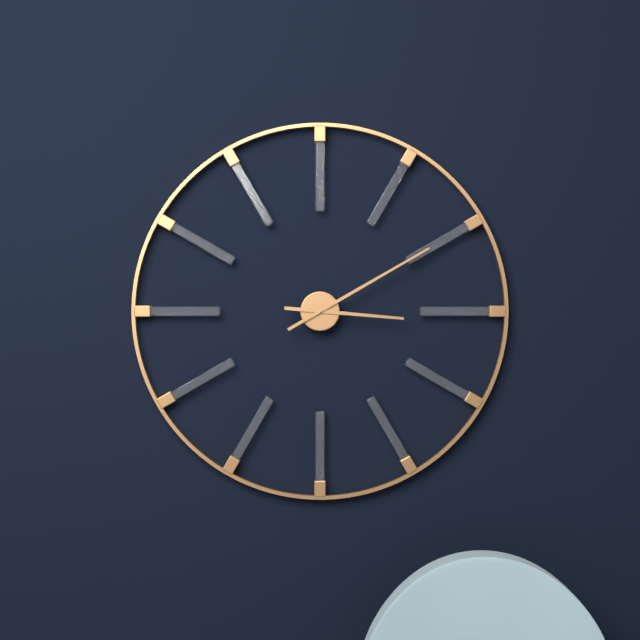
3:10
